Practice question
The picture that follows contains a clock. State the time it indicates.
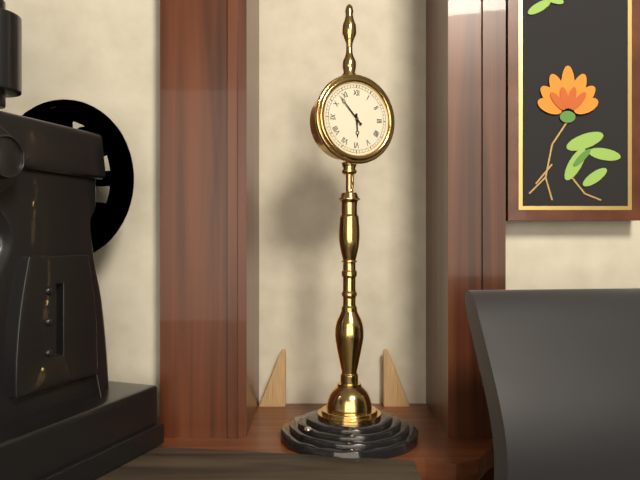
5:53
